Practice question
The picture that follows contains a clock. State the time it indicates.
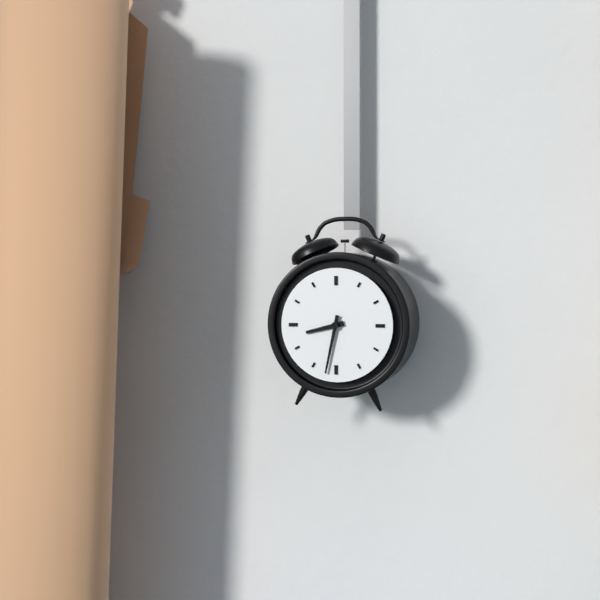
8:32
